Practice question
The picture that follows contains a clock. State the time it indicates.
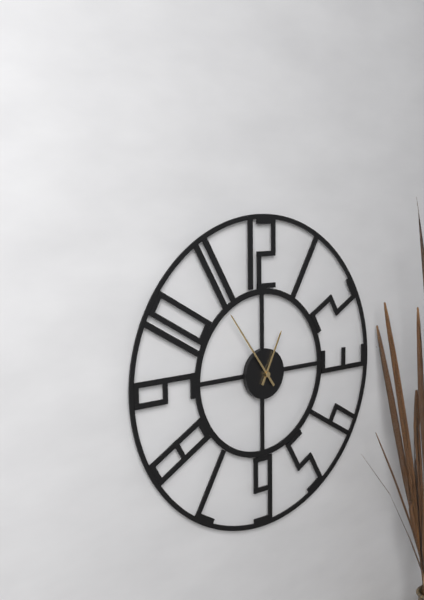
12:54
